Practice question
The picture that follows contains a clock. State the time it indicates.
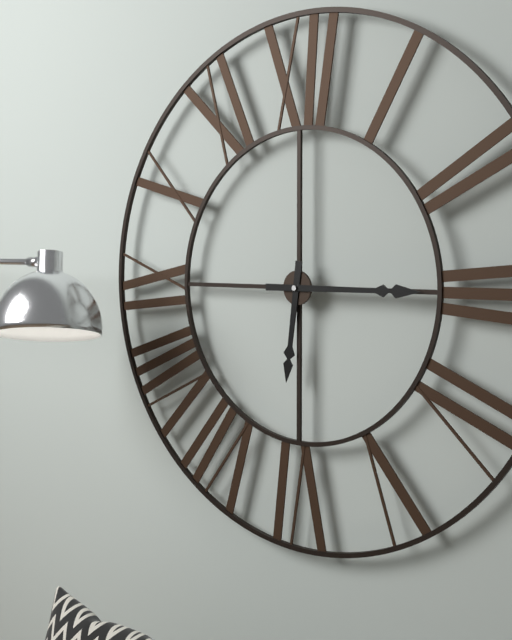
6:15
